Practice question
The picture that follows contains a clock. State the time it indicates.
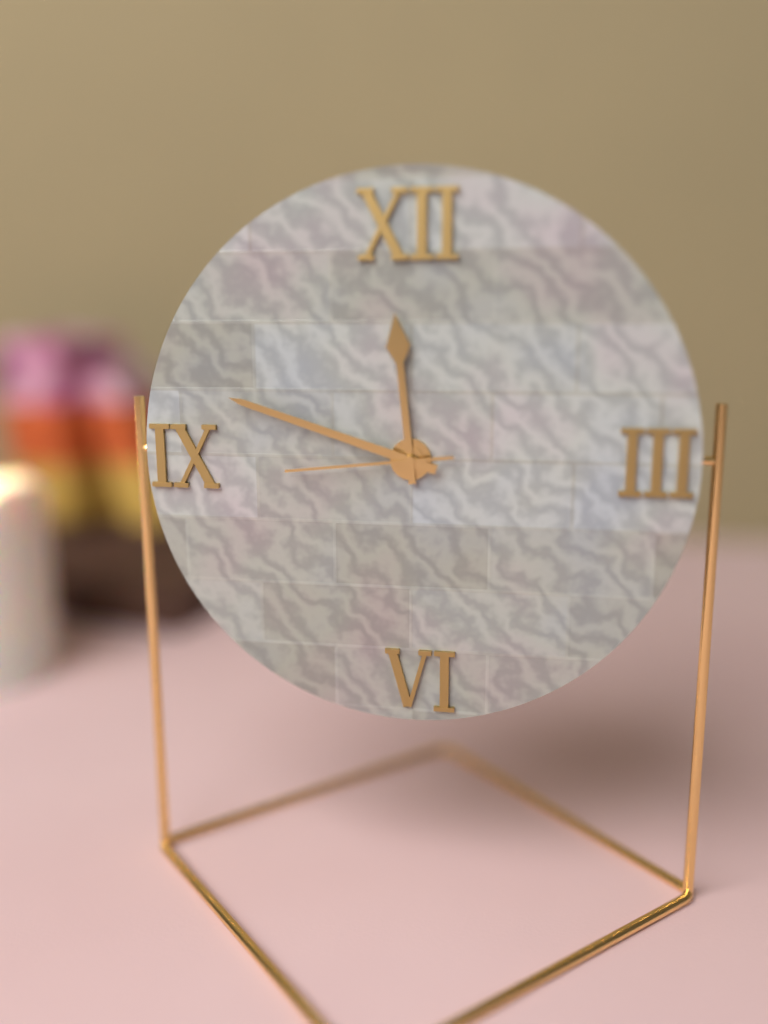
11:48:44
